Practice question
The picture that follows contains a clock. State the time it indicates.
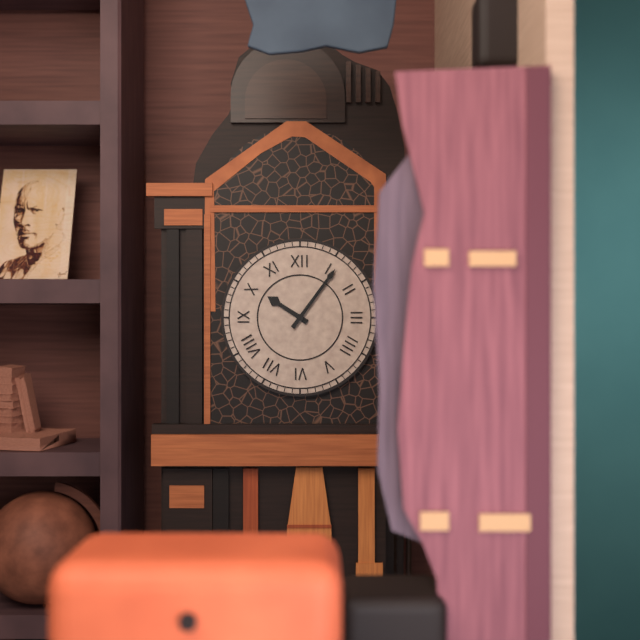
10:06
